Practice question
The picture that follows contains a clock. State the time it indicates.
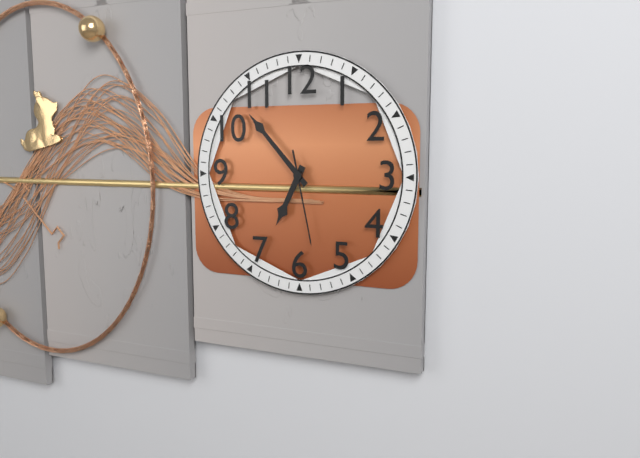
6:53:28
